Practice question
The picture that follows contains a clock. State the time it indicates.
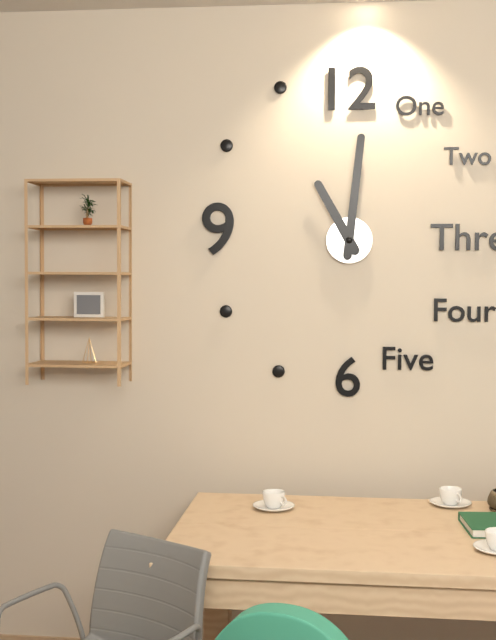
11:01
